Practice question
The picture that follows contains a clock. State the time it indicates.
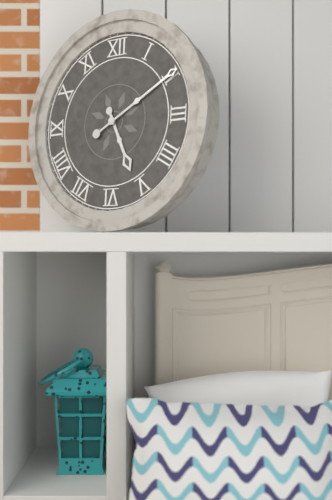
5:10
